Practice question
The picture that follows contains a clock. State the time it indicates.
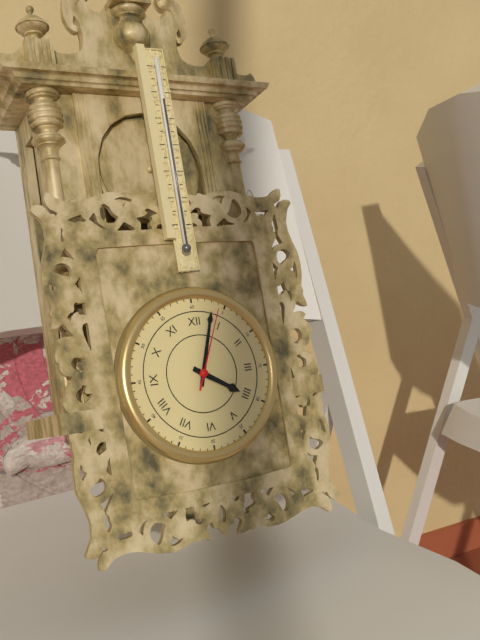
4:03:04
